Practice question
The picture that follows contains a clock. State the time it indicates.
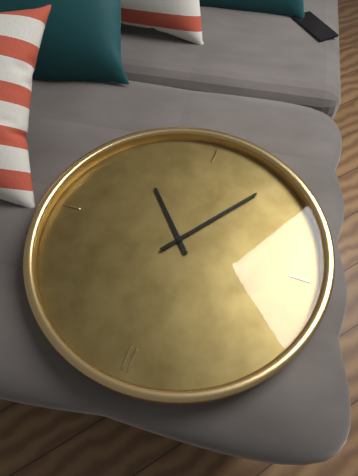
4:36
